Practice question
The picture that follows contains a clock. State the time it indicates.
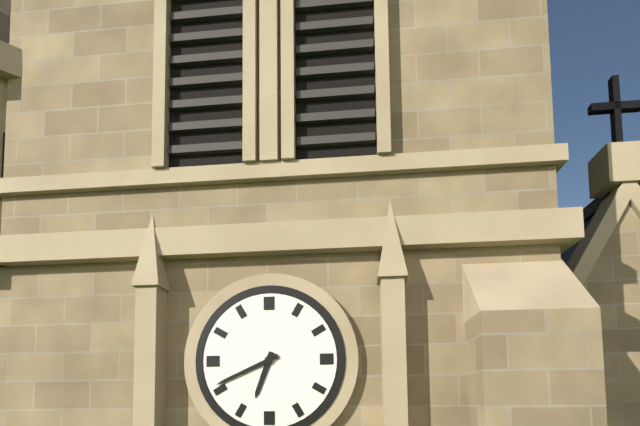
6:41
